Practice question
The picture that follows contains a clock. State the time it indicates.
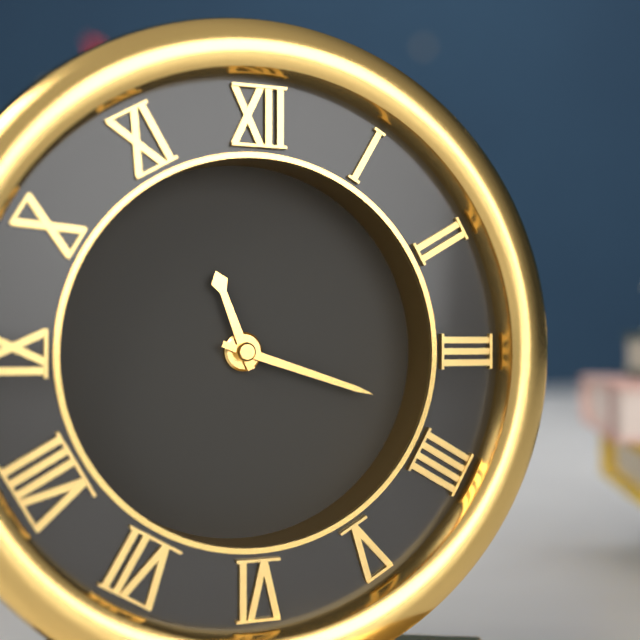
11:18
